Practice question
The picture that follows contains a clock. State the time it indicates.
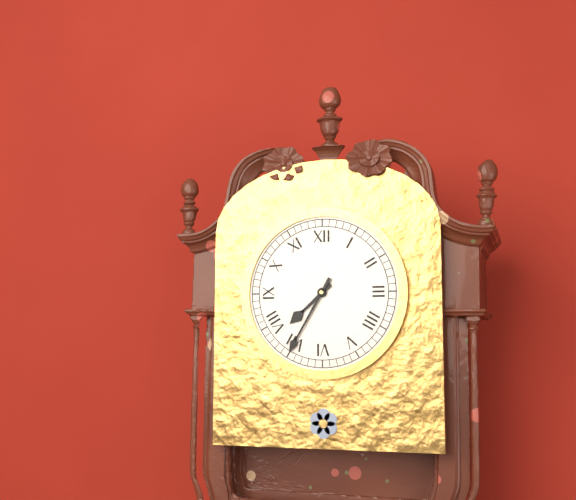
7:35
